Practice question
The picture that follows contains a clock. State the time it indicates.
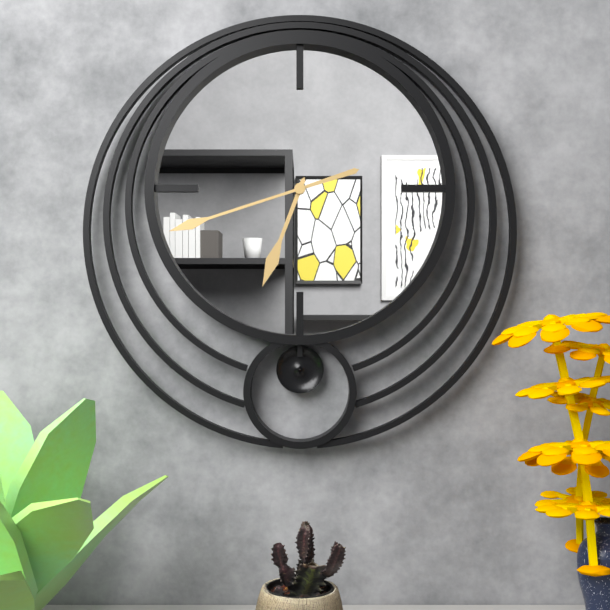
6:42
